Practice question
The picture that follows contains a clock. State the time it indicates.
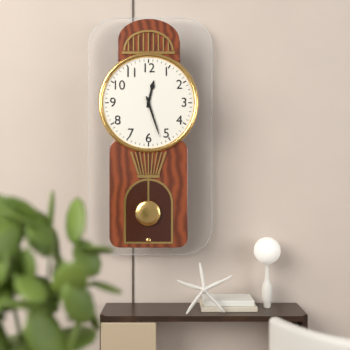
12:27
